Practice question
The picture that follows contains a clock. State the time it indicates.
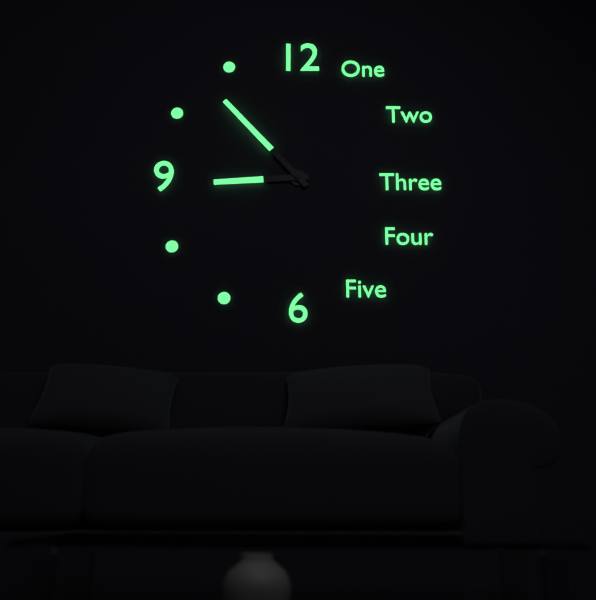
8:53
